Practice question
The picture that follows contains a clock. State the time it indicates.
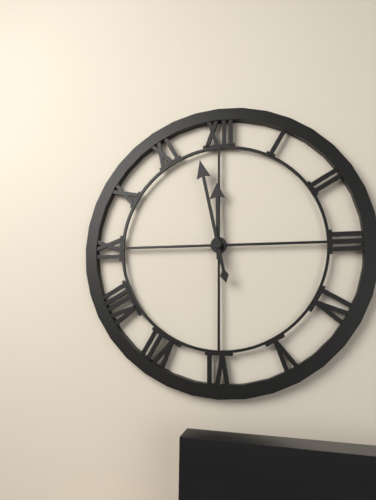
11:58
